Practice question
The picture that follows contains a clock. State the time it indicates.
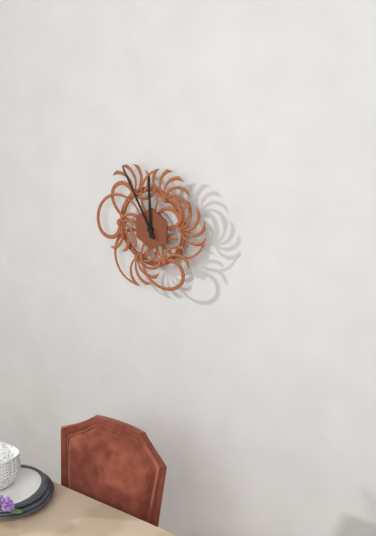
11:55
